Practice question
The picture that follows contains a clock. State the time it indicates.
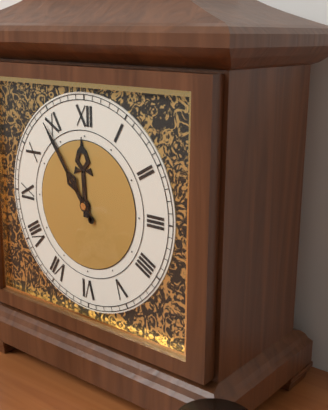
11:54
